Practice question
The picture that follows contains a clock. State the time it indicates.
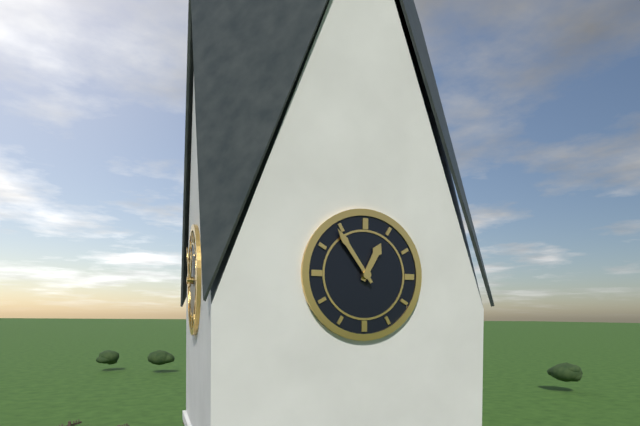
12:54
